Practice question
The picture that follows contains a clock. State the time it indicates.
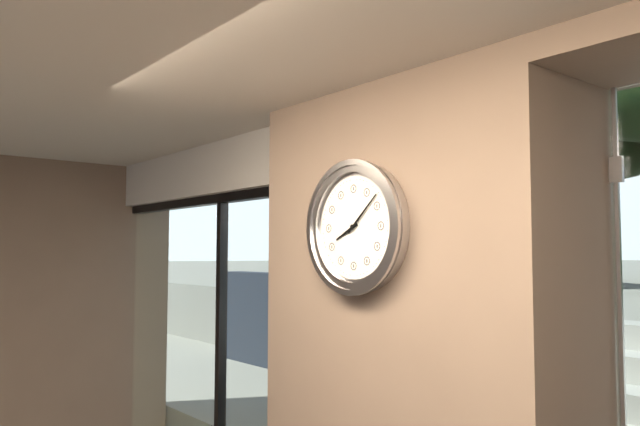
8:08
